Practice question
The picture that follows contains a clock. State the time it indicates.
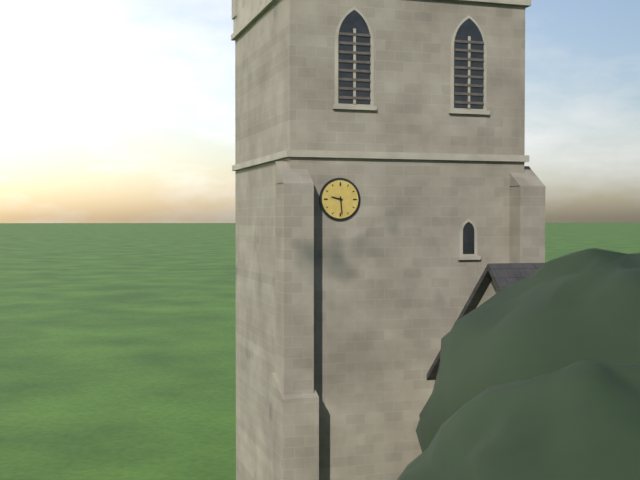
9:29
